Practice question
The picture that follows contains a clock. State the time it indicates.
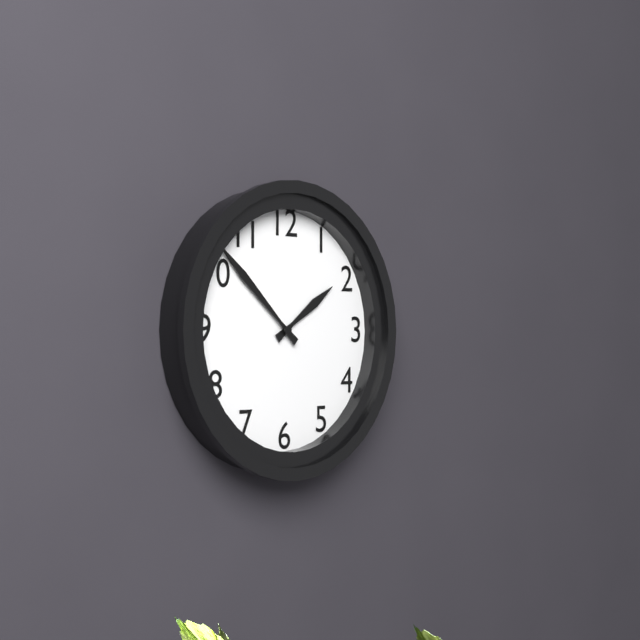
1:52
